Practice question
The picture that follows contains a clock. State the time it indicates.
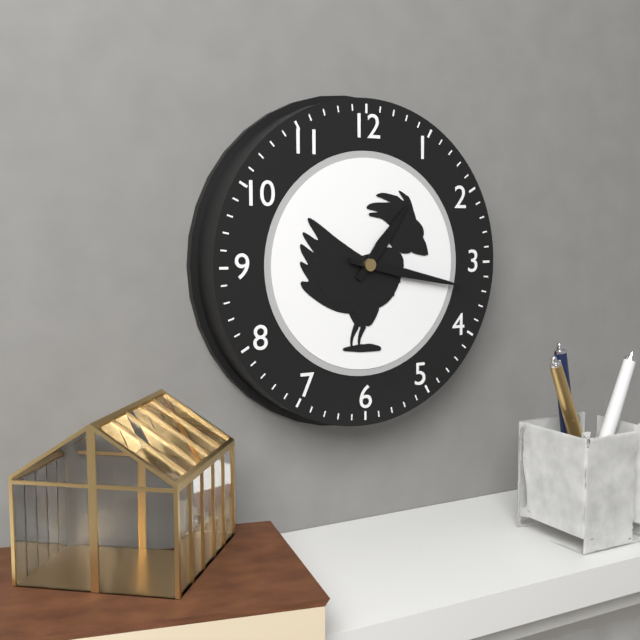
1:17
